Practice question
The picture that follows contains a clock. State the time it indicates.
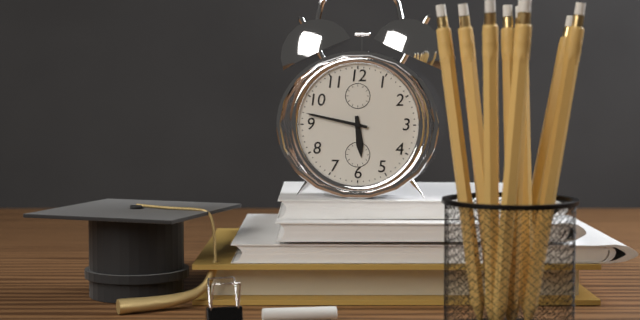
5:47
